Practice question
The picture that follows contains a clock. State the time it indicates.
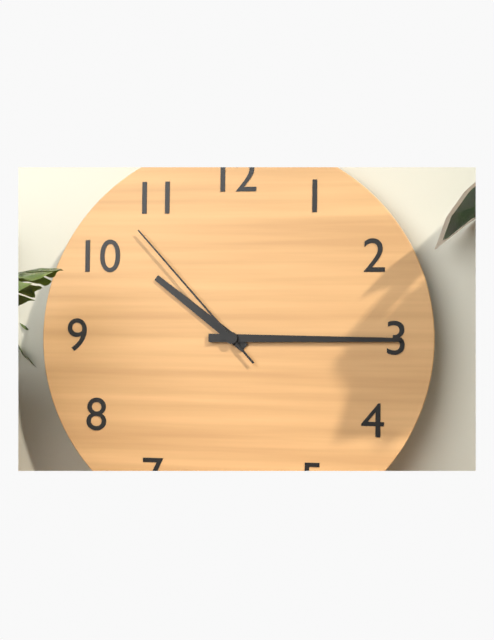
10:15:53
